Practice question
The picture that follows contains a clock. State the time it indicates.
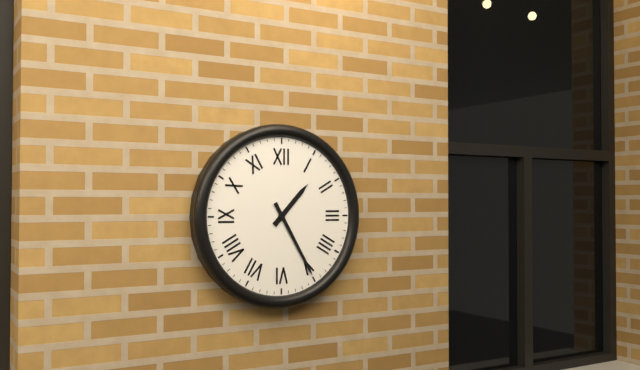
1:25
